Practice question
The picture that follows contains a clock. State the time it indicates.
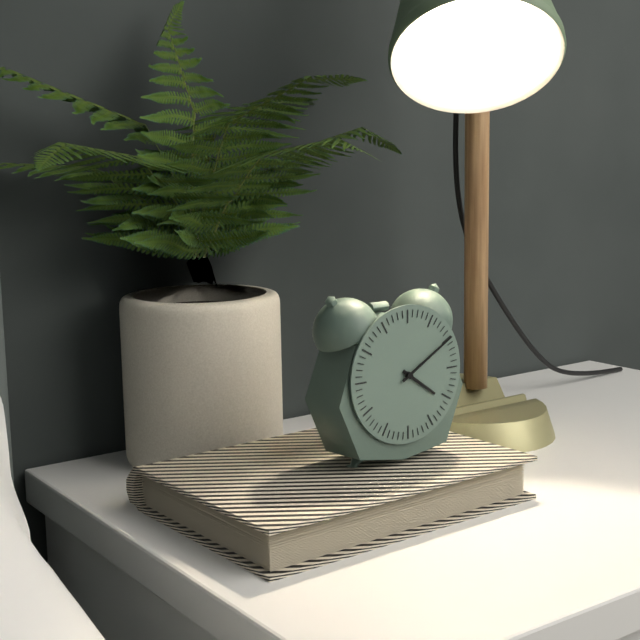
4:10
